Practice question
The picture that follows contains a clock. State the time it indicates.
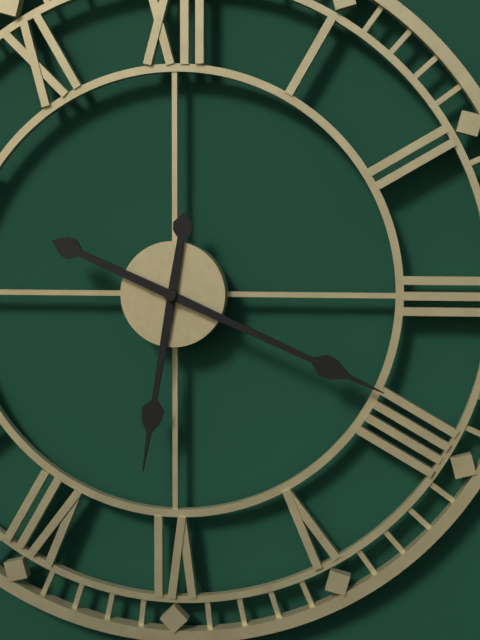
6:19
